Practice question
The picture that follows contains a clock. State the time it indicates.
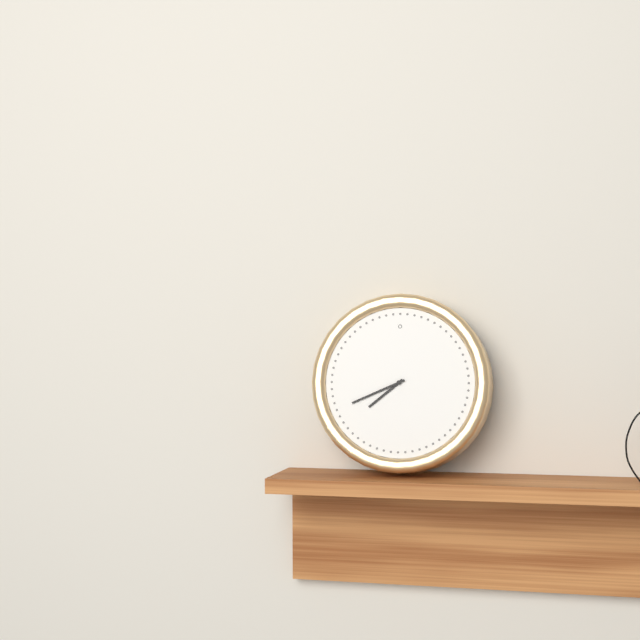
7:41
